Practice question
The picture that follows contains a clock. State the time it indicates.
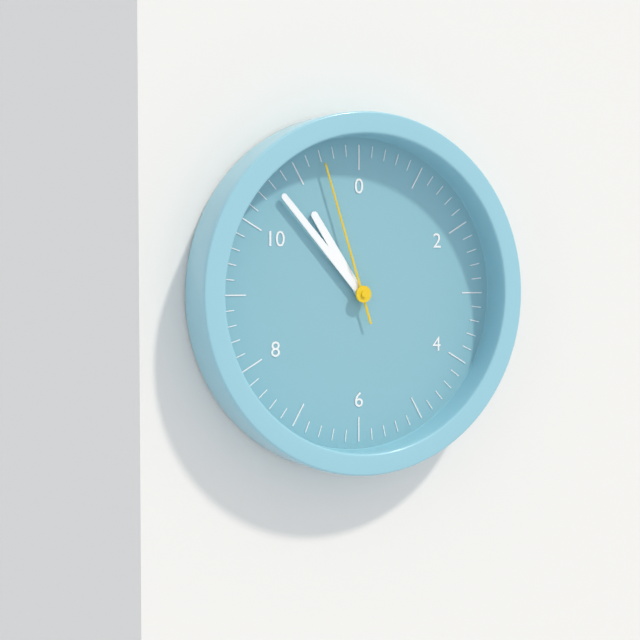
10:53:57
